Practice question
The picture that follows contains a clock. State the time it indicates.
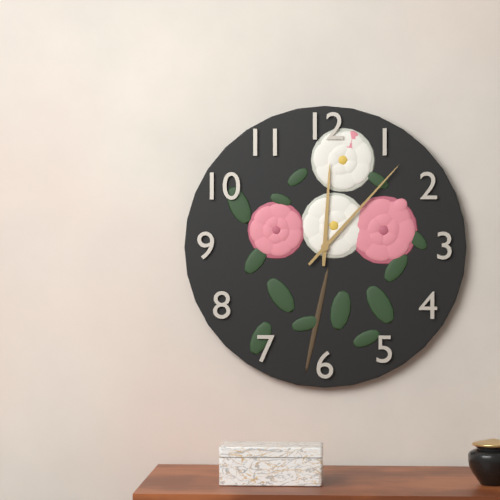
12:07
